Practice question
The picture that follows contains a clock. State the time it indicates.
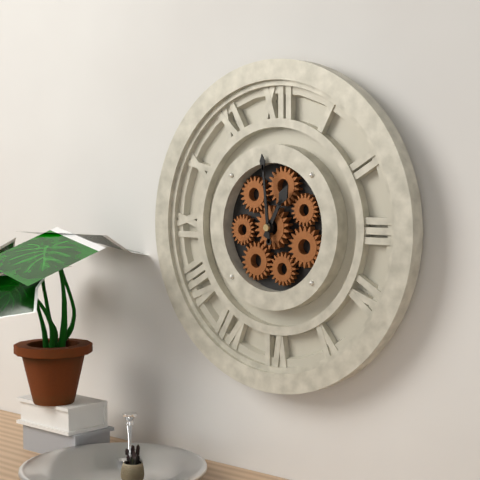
12:59
